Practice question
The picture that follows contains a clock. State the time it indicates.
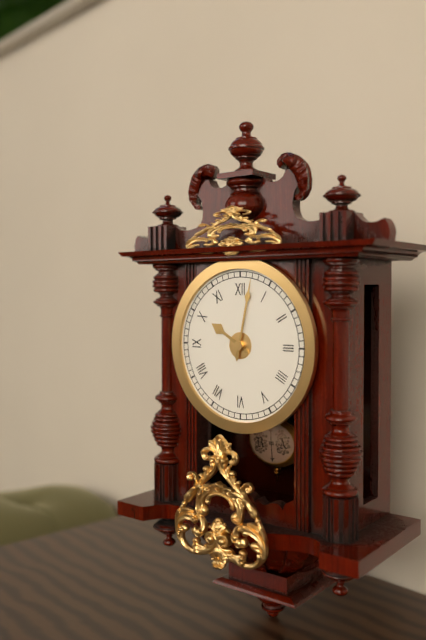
10:02
